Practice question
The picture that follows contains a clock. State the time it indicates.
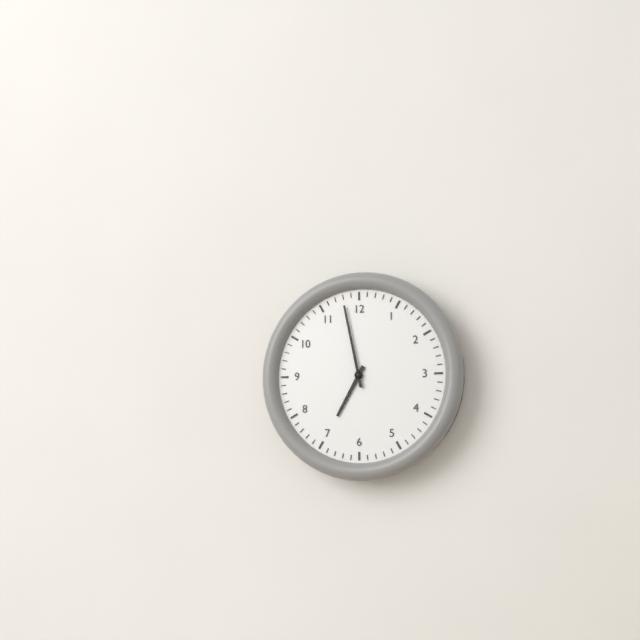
6:58
